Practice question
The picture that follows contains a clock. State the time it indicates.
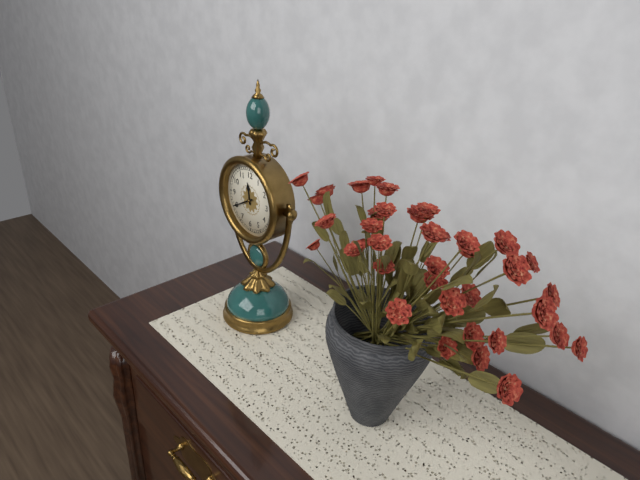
11:40
